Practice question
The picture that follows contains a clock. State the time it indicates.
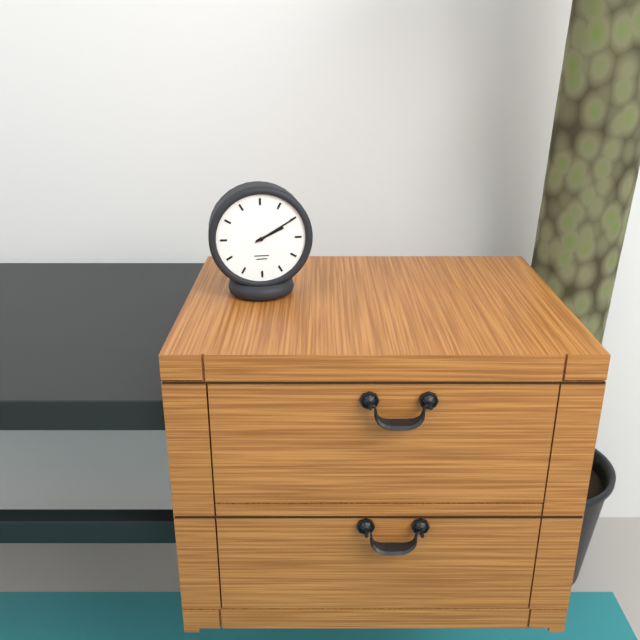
2:10
